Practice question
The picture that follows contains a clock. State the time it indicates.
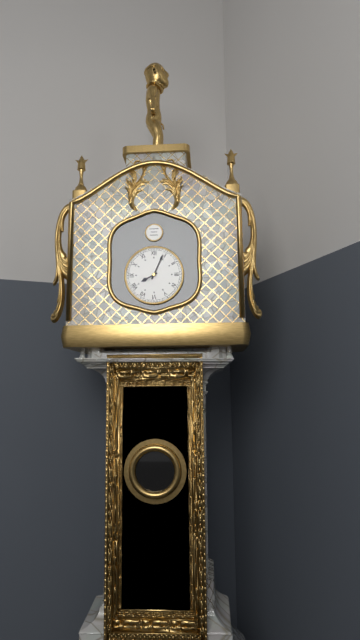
8:04
